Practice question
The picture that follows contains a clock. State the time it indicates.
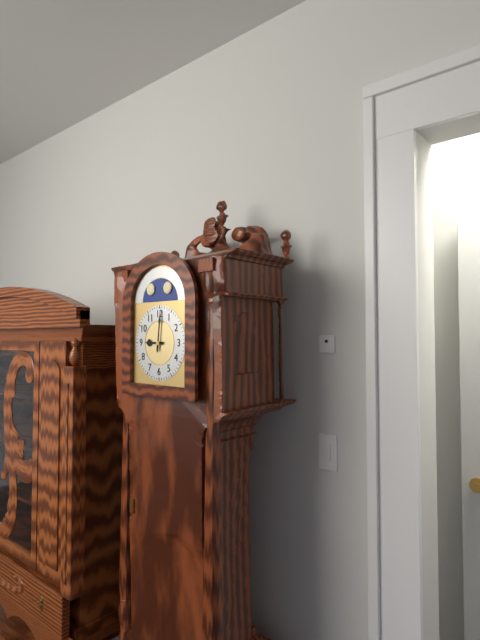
9:01
